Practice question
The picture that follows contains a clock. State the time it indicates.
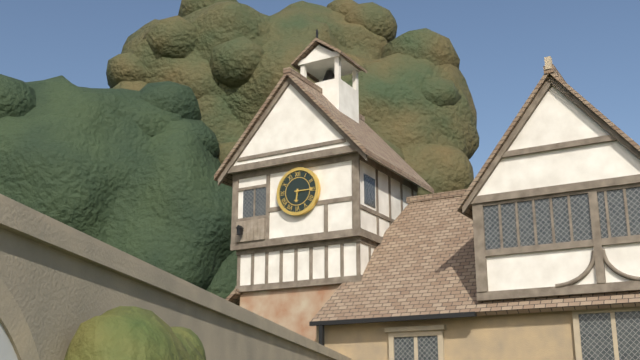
6:15
